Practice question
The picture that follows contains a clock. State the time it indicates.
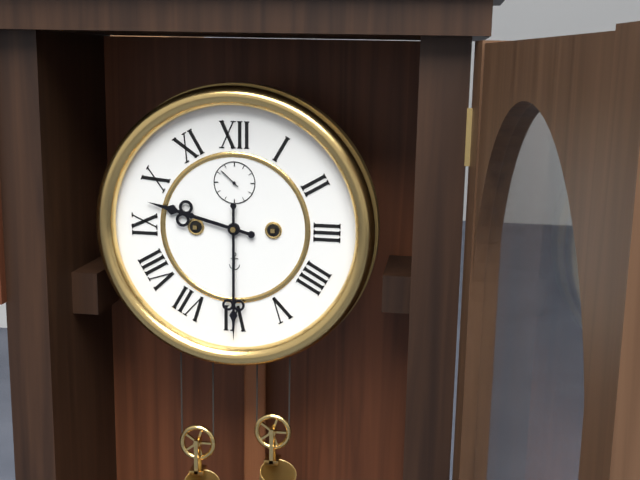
9:30
